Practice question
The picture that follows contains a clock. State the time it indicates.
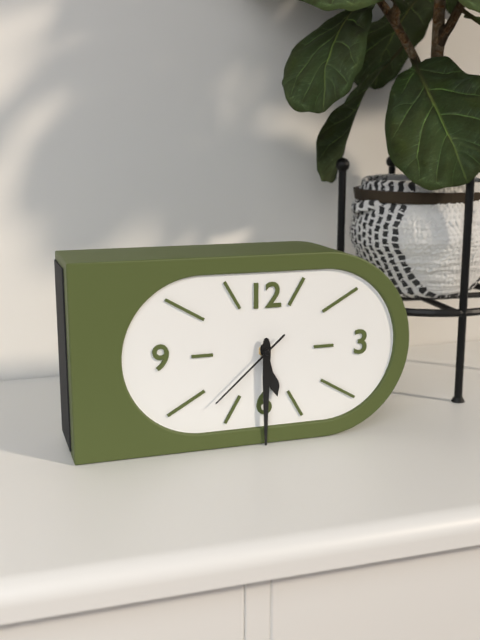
5:30:38
